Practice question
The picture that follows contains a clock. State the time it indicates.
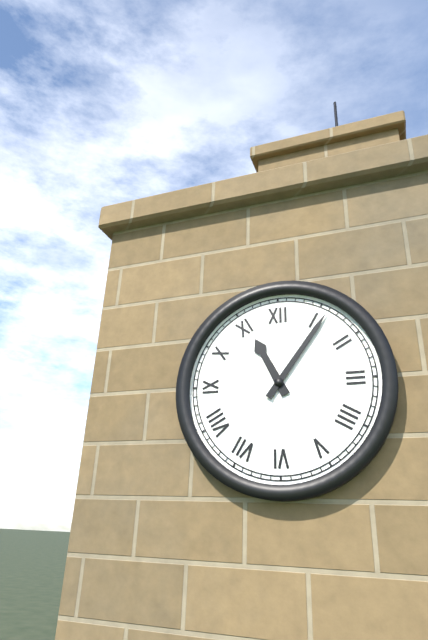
11:06
